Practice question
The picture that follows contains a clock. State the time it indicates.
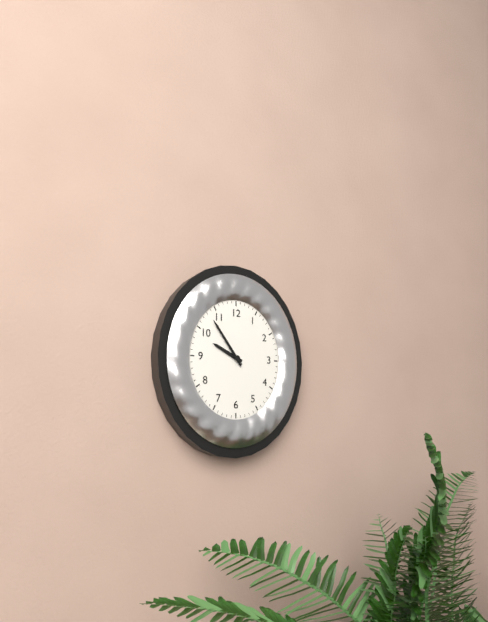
9:54
